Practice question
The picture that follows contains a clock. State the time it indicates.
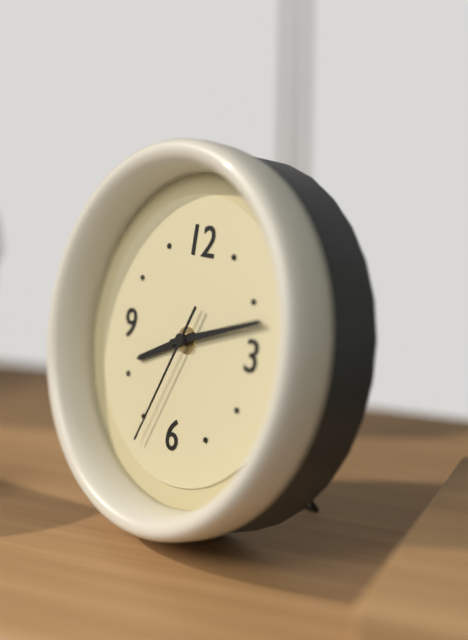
8:12:34
